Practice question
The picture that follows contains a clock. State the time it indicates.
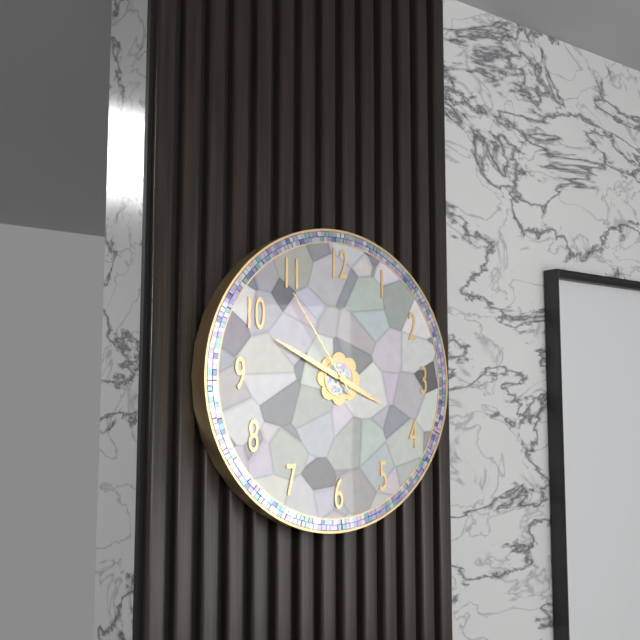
3:49:54
